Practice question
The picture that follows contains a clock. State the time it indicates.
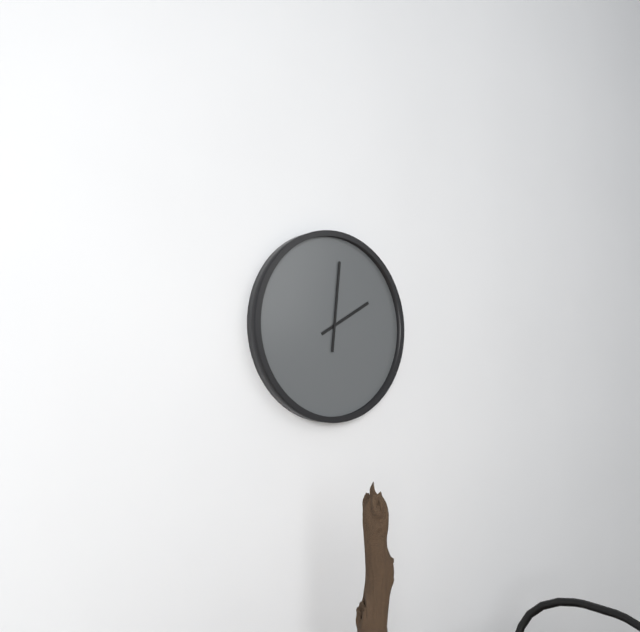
2:01
